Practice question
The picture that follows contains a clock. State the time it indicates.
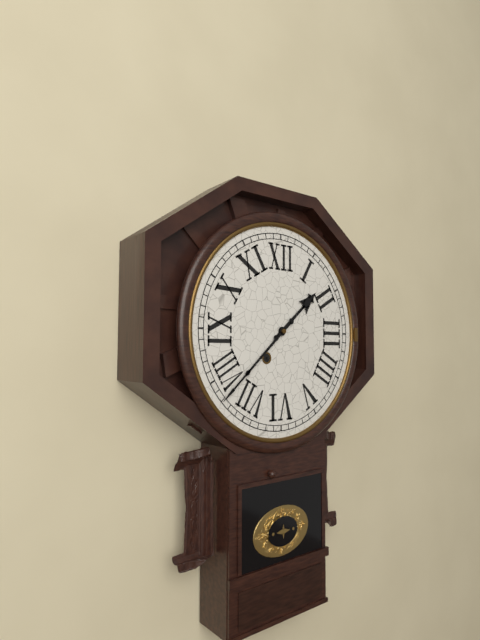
1:38
